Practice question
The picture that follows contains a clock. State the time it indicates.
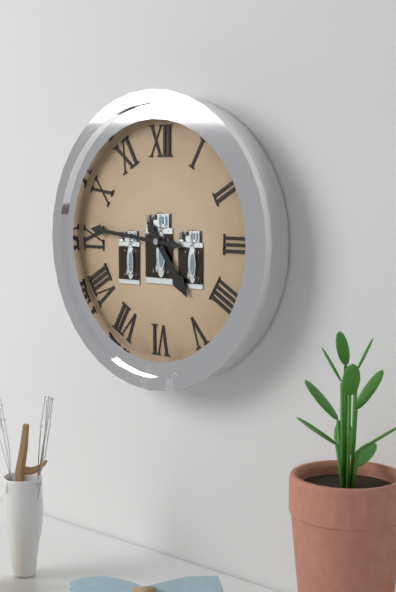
4:46
